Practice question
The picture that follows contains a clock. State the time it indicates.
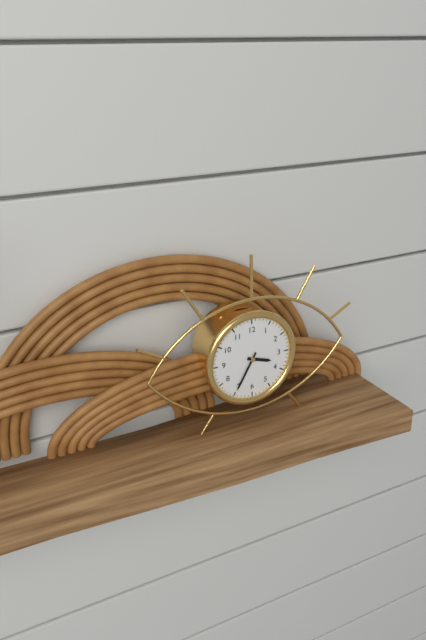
3:35
